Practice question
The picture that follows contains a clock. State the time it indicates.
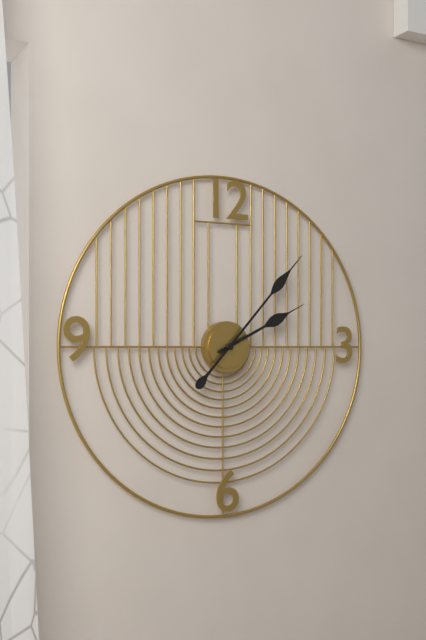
2:07
